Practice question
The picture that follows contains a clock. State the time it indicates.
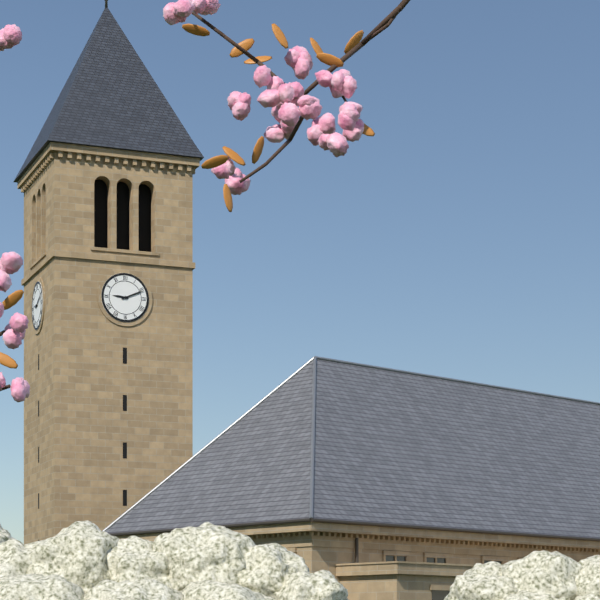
9:11
